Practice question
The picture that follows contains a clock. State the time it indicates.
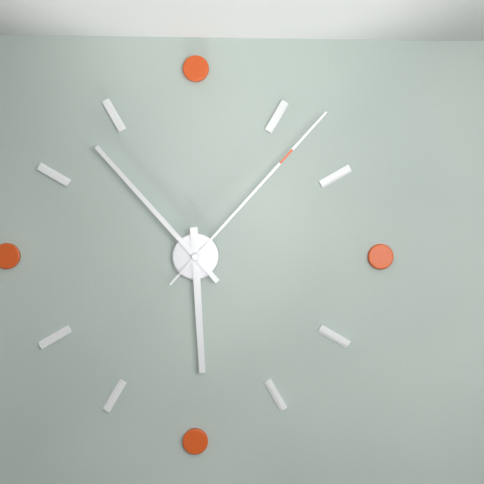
5:53:07
